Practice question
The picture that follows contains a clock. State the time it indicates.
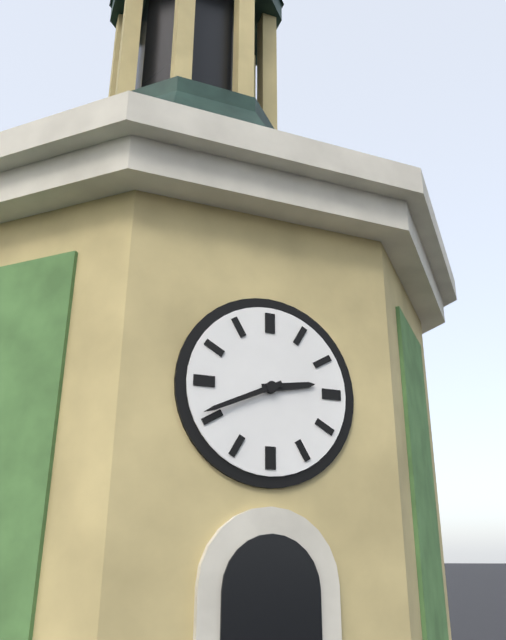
2:41
